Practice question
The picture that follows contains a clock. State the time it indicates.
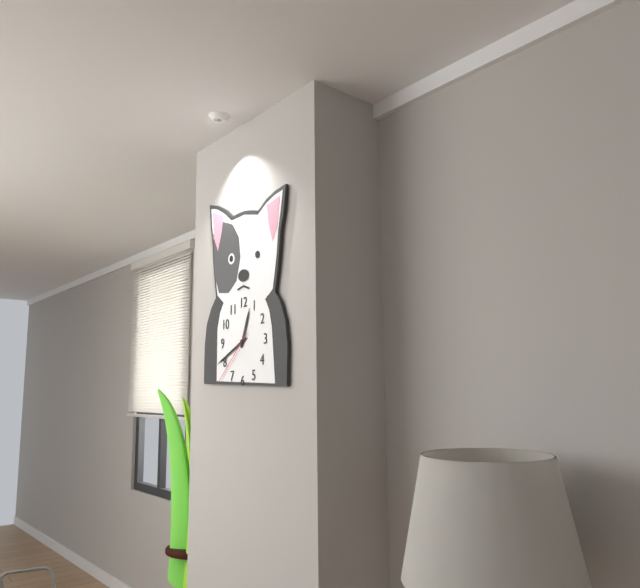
12:41:38
